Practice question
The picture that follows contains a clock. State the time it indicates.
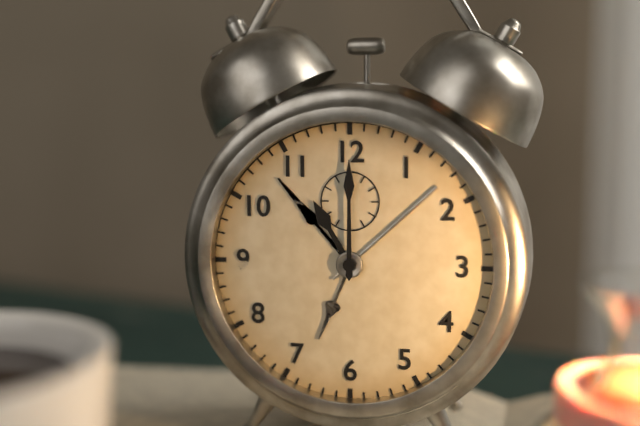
11:00
